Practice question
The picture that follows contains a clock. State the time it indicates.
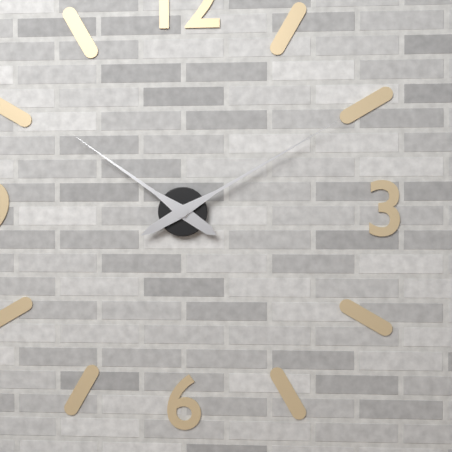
10:10
